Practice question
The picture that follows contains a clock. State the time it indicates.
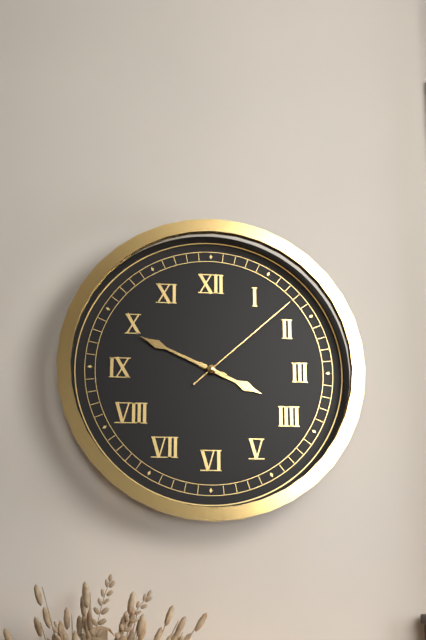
3:49:08
